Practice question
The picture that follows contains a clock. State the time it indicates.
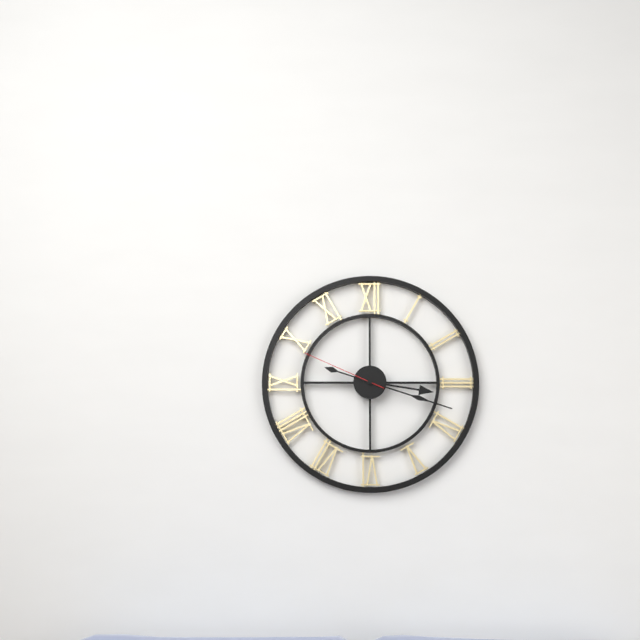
3:18:49
